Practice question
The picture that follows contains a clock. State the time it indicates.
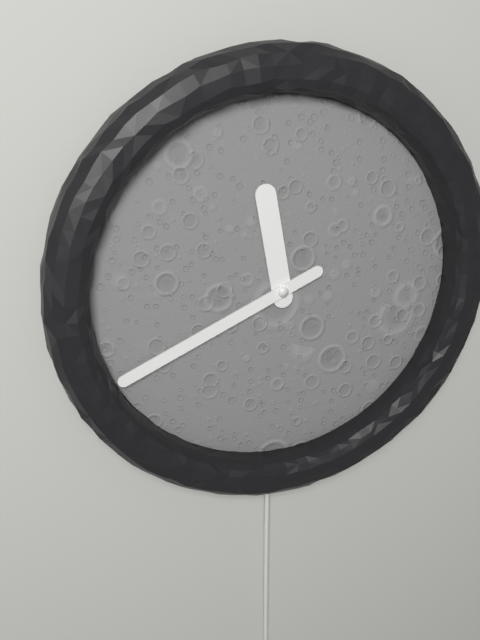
11:41
